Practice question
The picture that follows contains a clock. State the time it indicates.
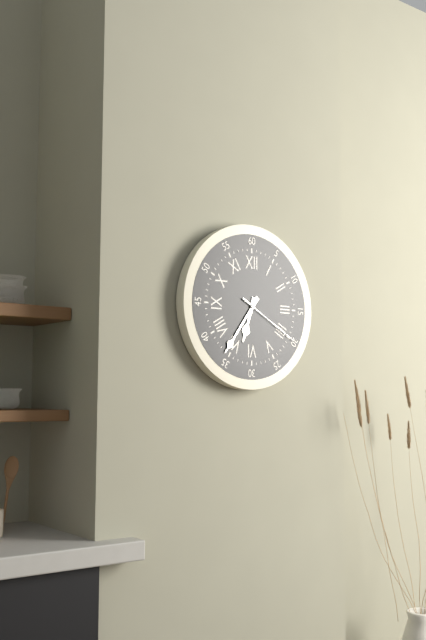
6:36:20
